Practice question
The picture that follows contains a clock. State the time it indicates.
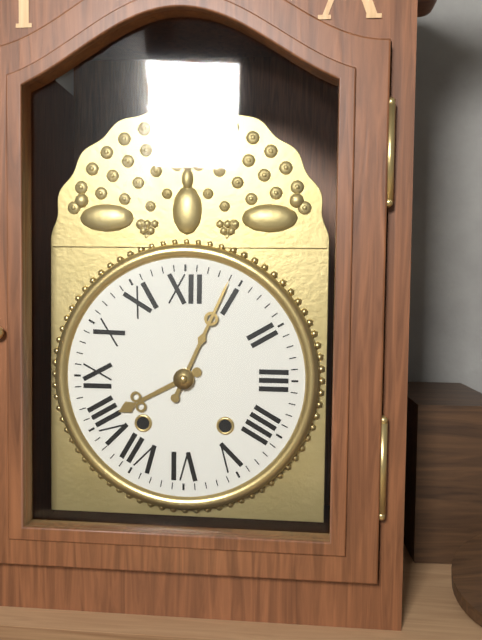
8:04
